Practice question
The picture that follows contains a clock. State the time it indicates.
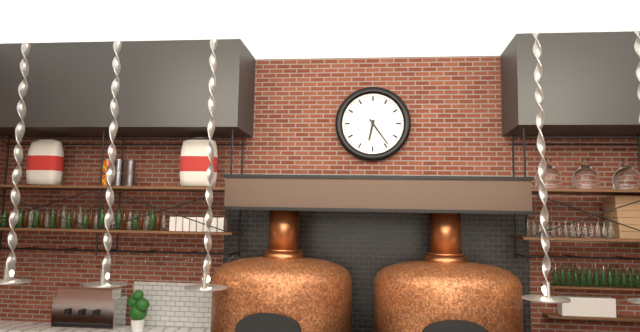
6:24
